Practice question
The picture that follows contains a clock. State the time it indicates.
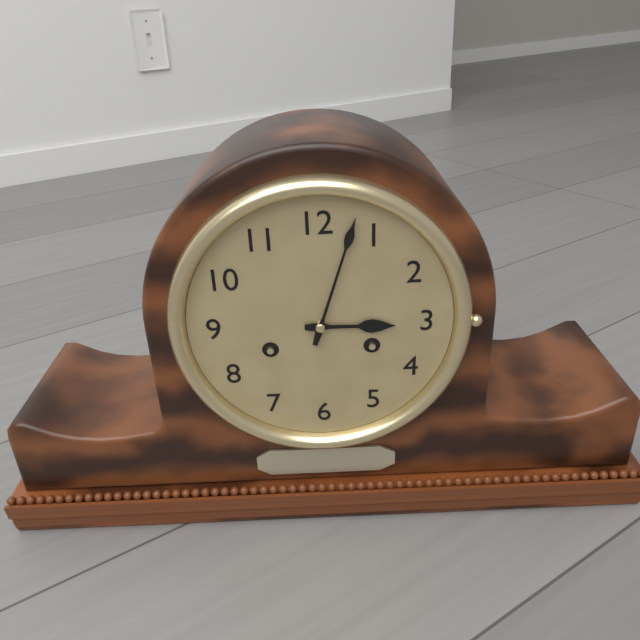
3:03
